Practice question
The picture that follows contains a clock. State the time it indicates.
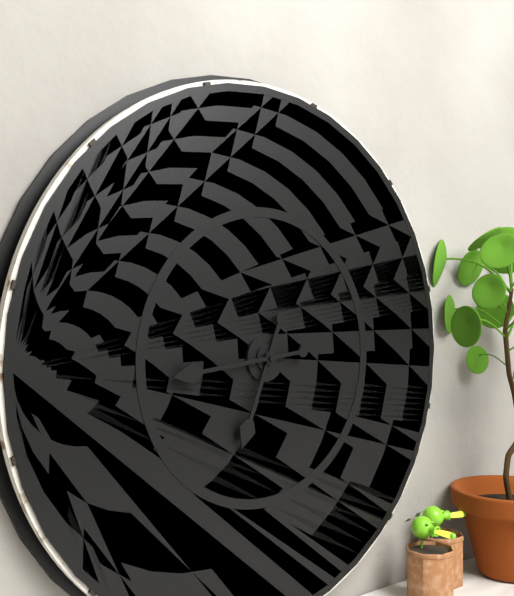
6:44
